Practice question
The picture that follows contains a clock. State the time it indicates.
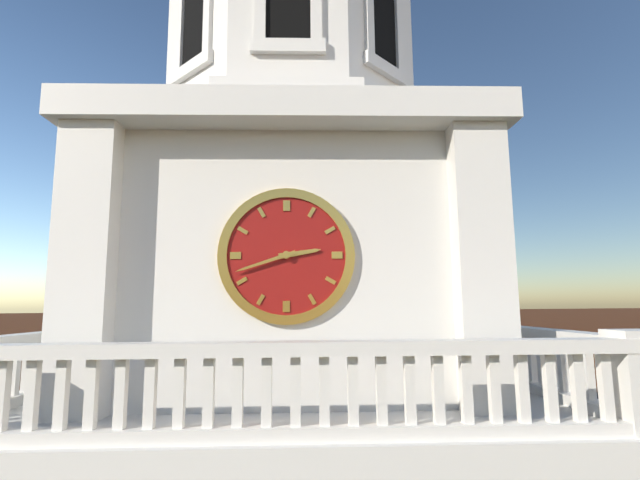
2:42
